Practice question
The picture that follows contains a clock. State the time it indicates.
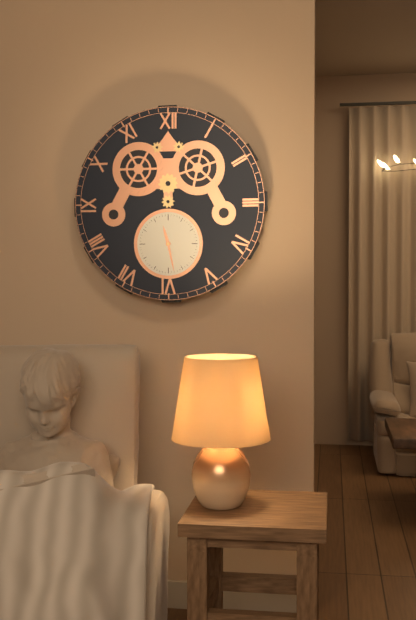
11:28
